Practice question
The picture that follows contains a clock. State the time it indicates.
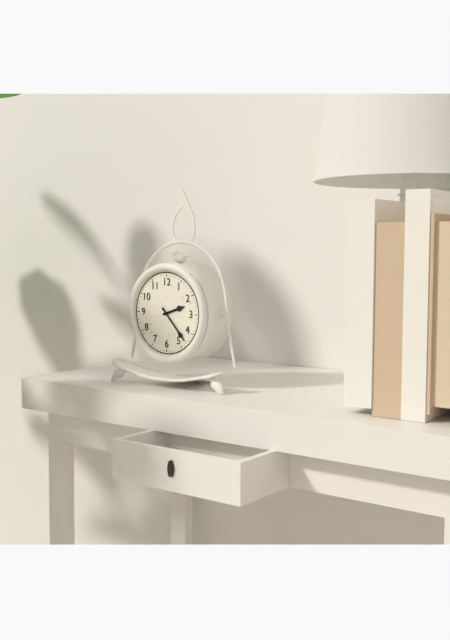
2:23
